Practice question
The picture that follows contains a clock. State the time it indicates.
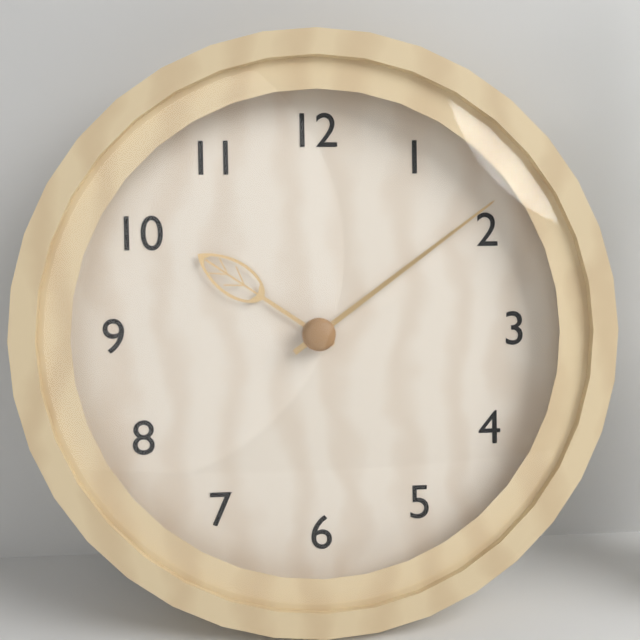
10:09
